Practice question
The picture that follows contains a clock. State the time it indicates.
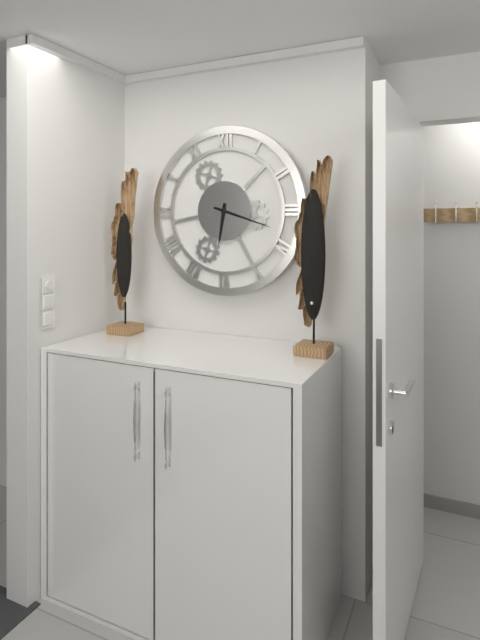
6:18
